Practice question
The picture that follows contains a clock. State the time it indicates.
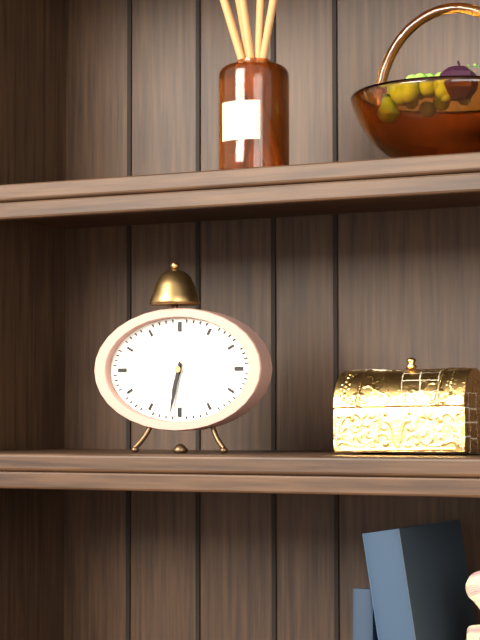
6:32
